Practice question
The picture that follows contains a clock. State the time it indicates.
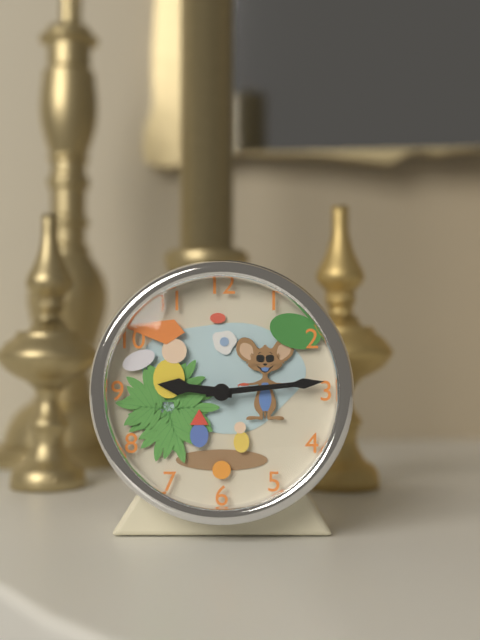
9:14
